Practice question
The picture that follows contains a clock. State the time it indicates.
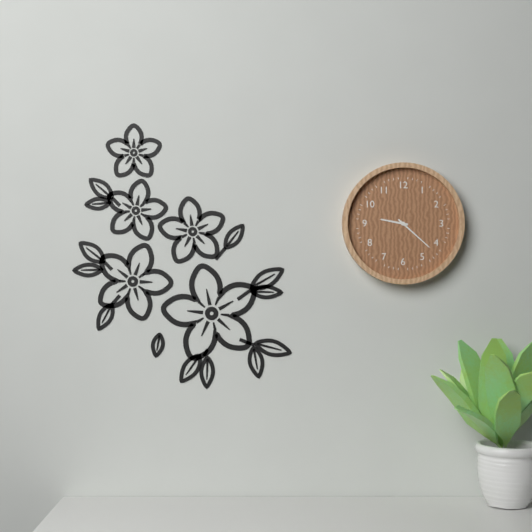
9:22
